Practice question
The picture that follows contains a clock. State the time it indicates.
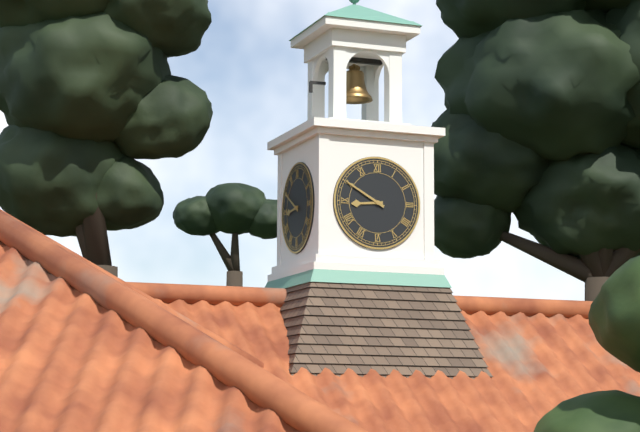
8:50
